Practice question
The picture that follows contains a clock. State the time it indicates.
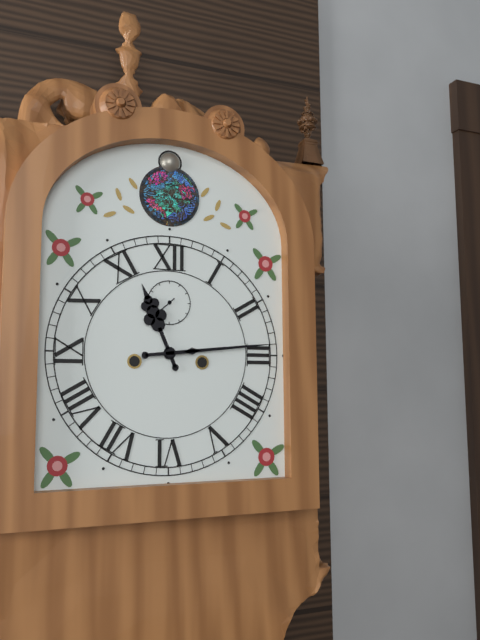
11:14
